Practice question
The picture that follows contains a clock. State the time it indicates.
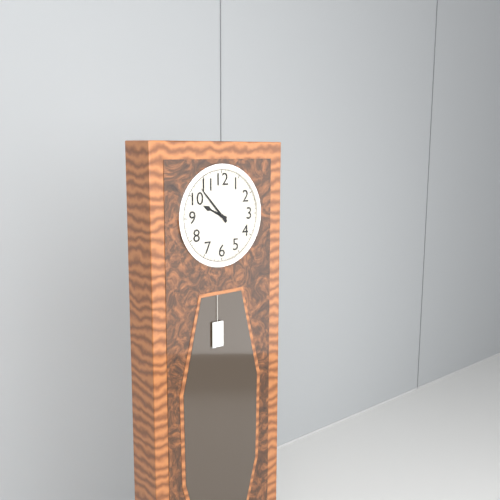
9:53
